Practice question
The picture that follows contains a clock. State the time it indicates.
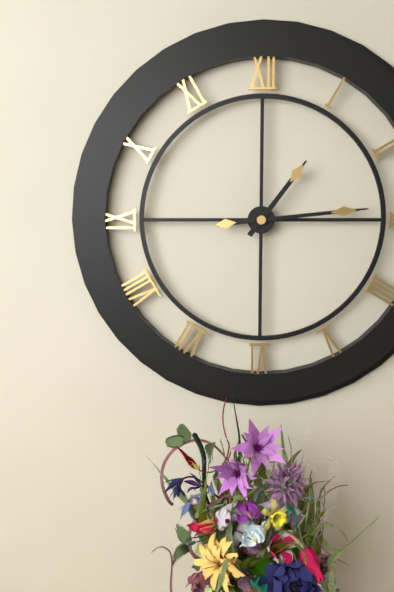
1:14
